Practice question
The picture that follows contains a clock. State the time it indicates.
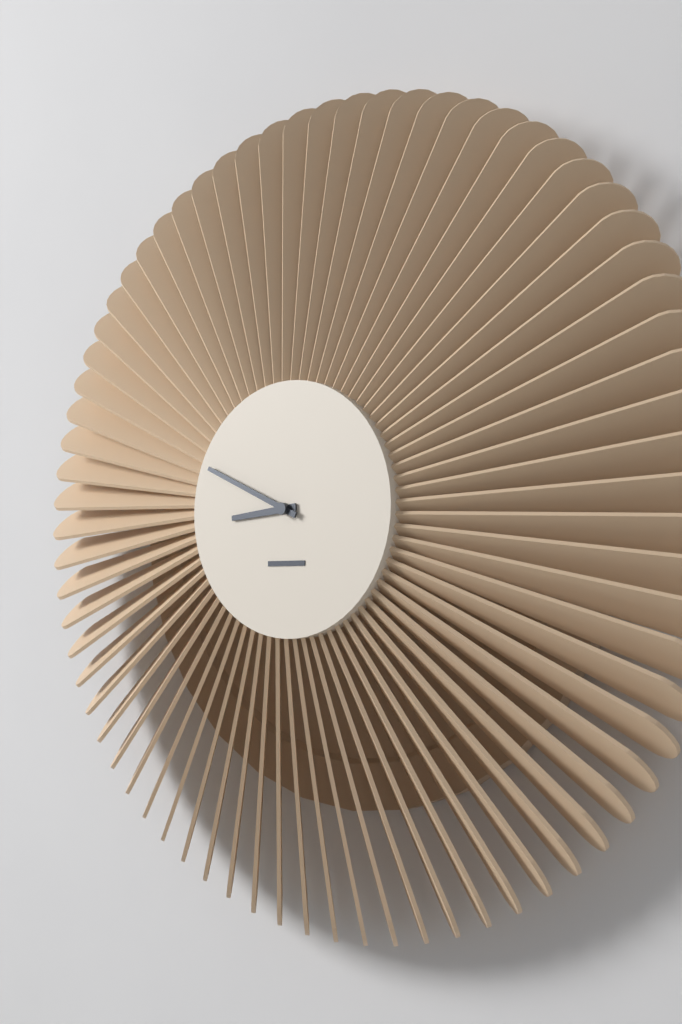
8:49
